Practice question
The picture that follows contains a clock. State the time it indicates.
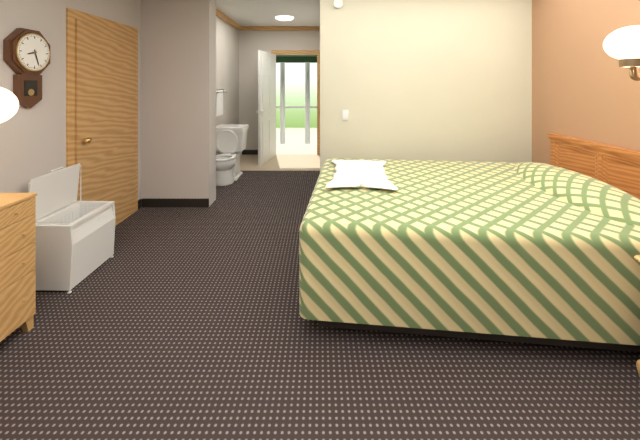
8:27
